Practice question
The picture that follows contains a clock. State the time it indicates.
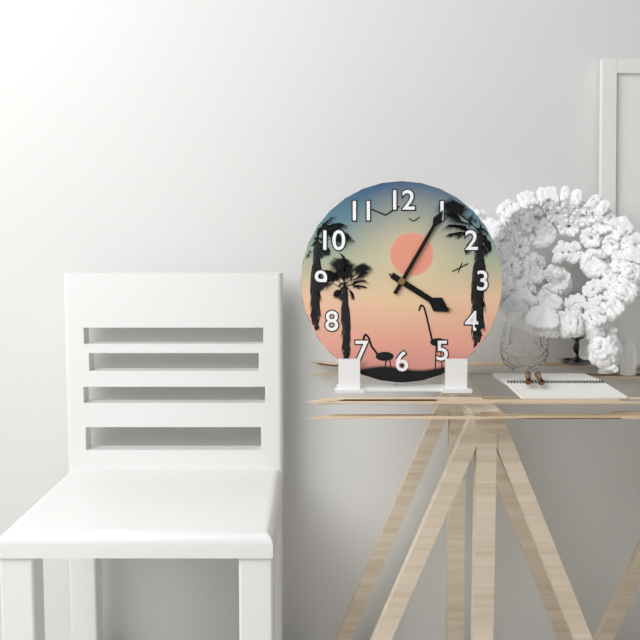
4:05:20
